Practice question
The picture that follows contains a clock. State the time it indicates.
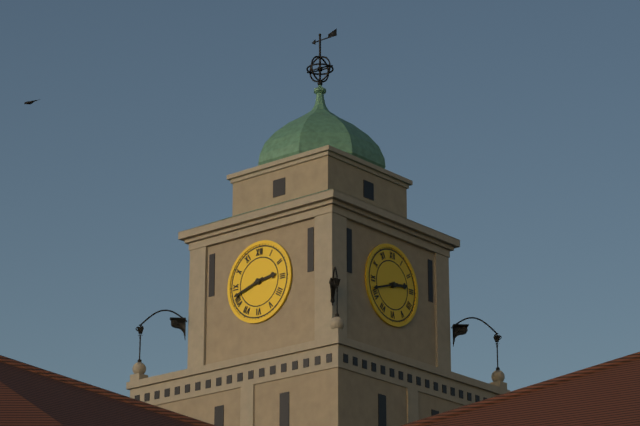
2:42
